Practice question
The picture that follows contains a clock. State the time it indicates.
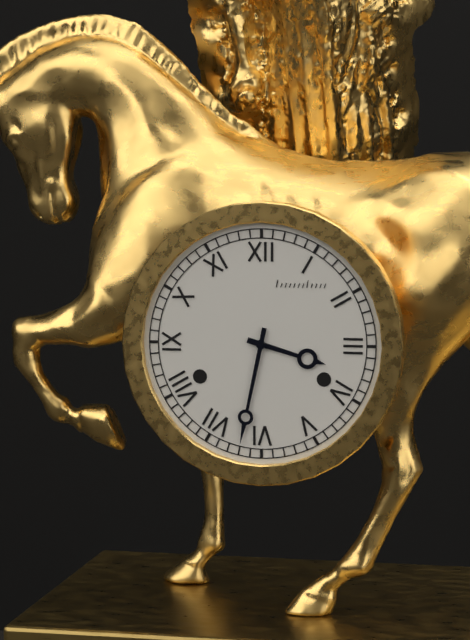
3:32
